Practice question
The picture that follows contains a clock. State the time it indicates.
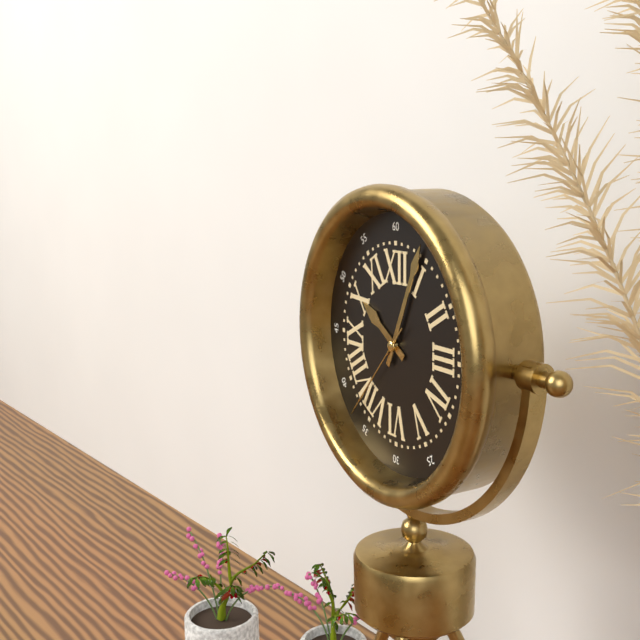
10:04:37
